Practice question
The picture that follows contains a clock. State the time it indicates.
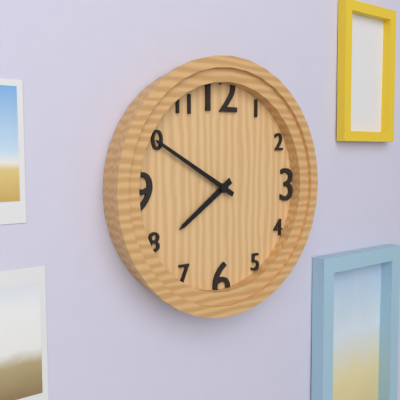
7:50
